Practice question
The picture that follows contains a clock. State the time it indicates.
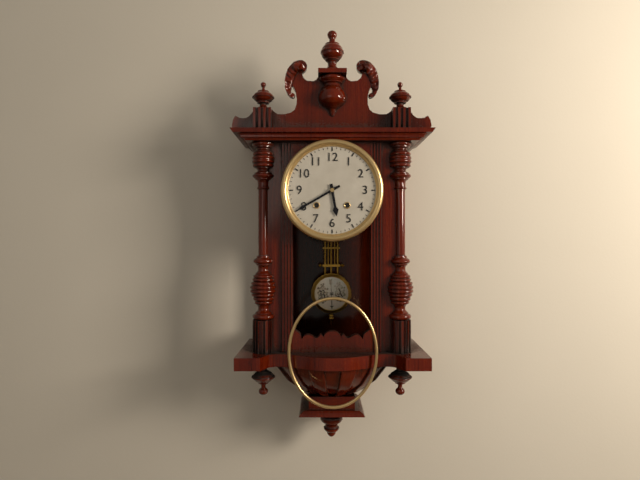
5:40
